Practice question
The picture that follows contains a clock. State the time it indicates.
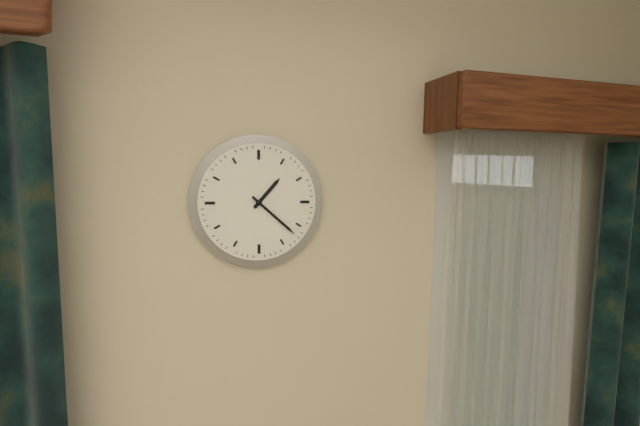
1:22
